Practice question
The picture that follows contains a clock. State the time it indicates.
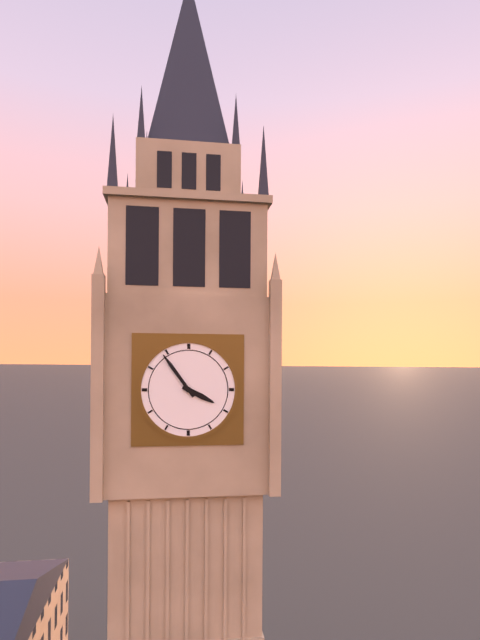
3:54
